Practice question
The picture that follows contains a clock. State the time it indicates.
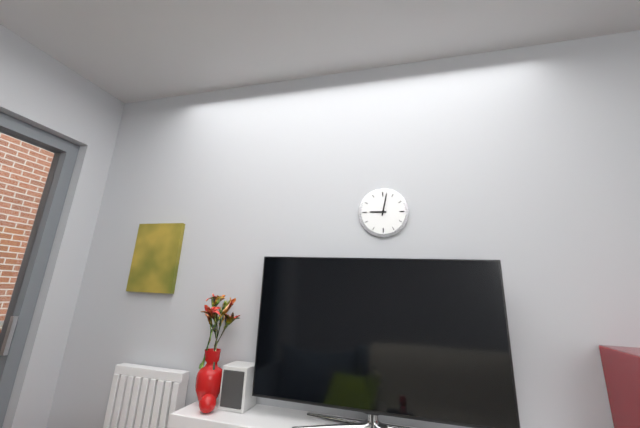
9:02
